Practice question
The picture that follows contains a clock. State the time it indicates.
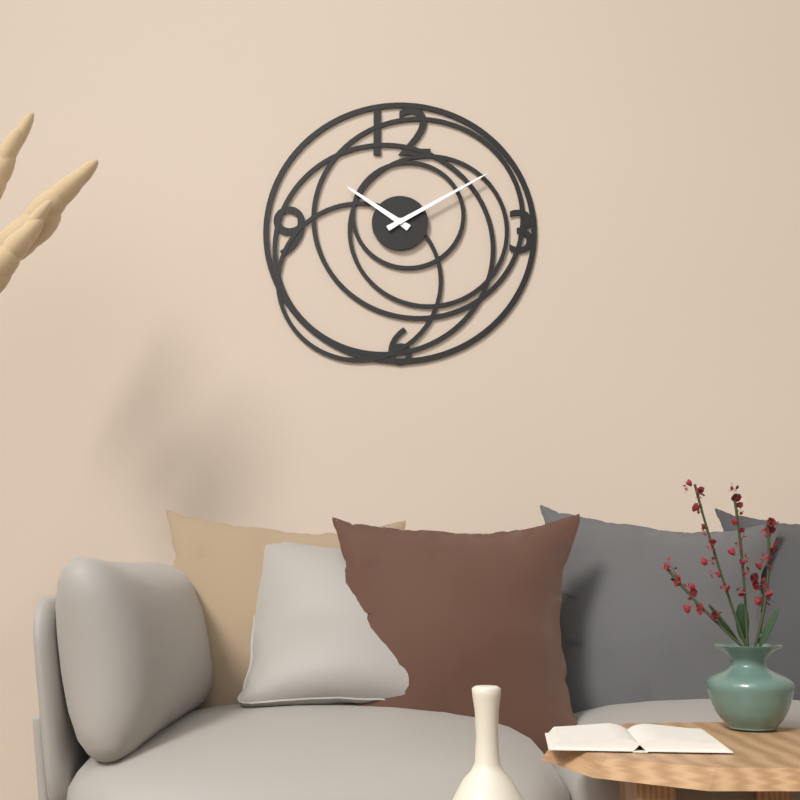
10:10
